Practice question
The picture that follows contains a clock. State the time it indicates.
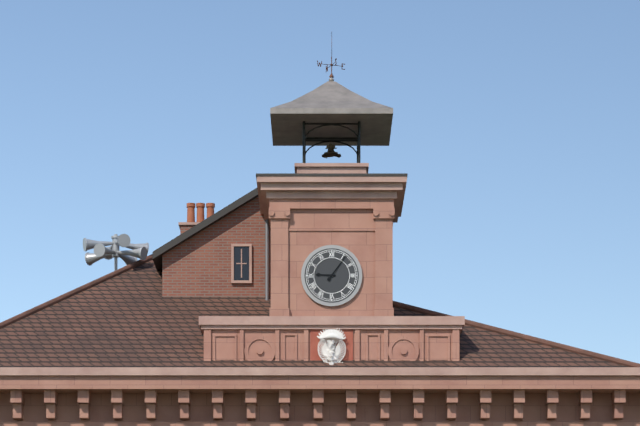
9:06
